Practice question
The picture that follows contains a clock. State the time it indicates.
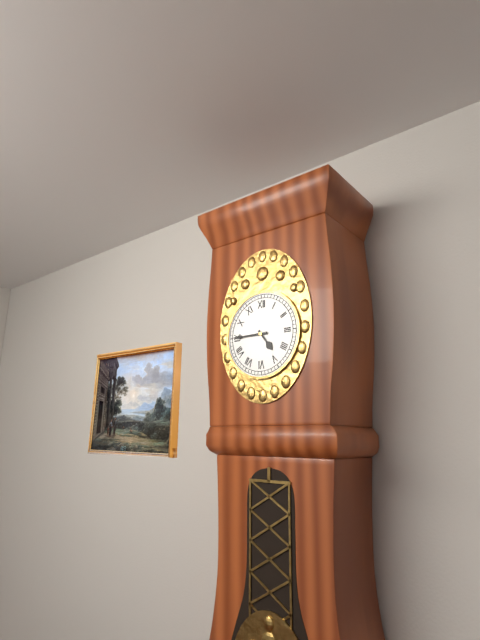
4:45
